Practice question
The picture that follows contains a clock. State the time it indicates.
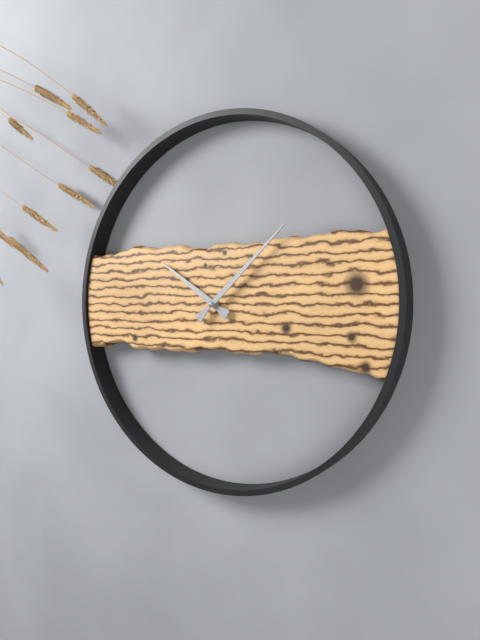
10:08
